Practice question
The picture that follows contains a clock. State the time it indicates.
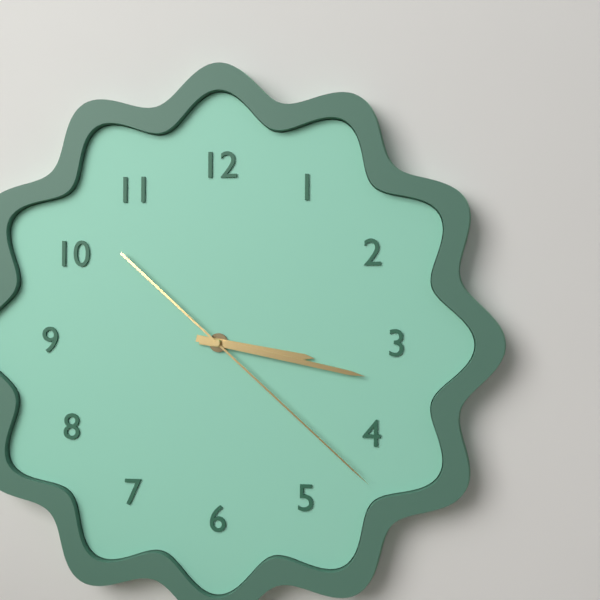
3:17:22
